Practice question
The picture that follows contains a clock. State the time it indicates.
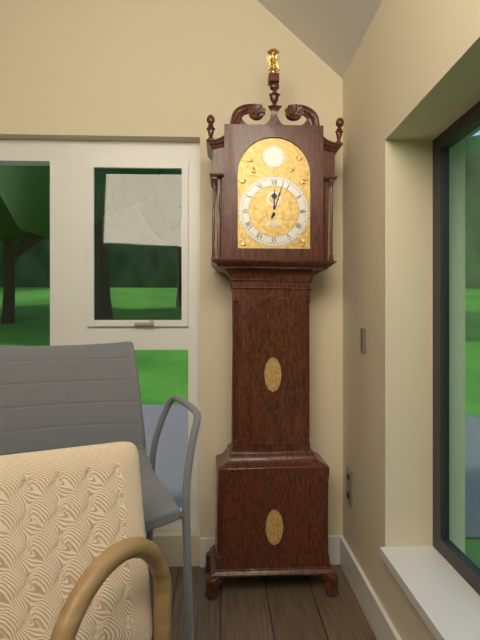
12:03
